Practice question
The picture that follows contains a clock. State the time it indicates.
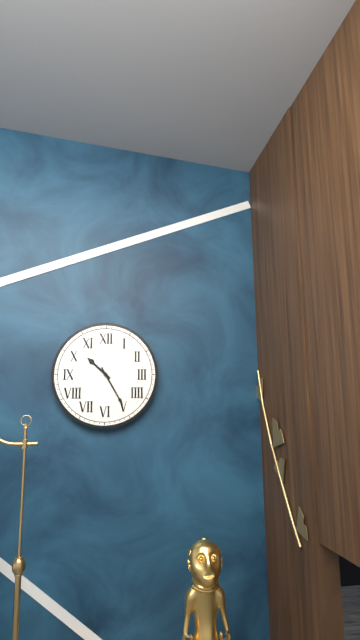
10:25
